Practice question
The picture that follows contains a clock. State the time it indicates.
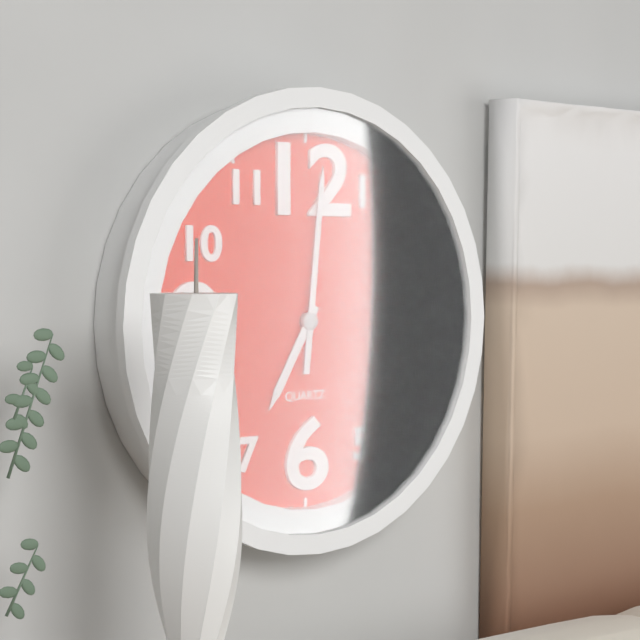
7:01
